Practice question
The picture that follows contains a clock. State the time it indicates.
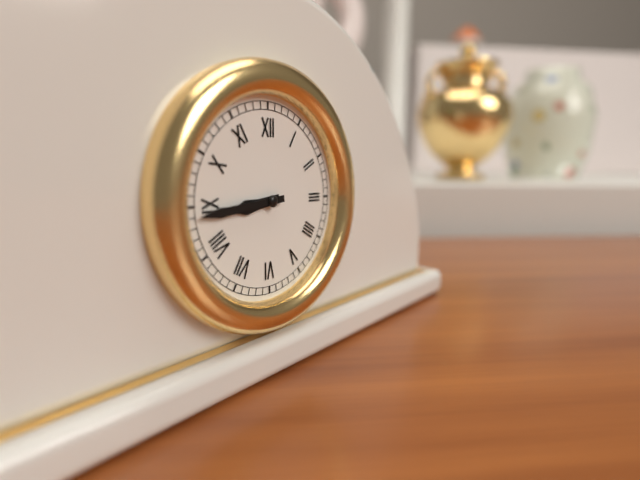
8:44
